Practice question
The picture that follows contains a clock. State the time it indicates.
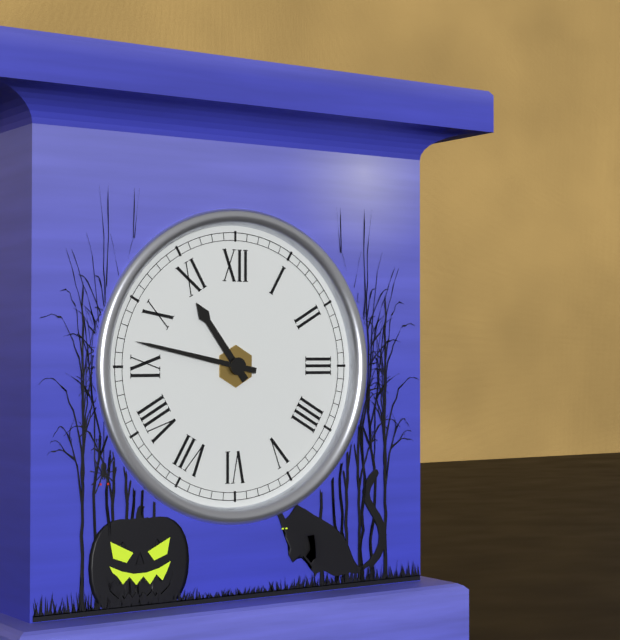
10:47
